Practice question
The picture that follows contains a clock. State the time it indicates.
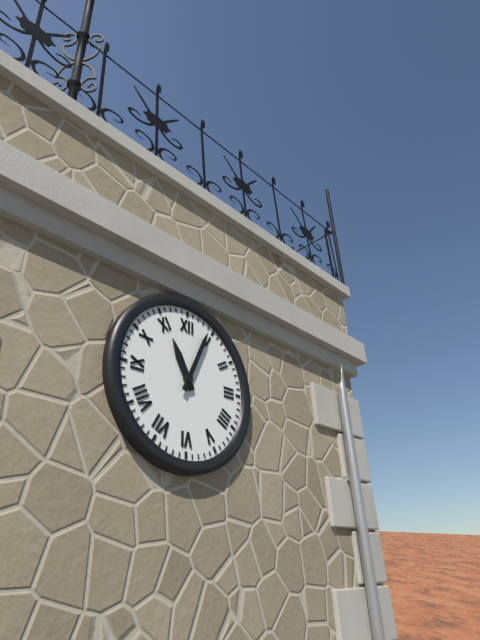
11:04
